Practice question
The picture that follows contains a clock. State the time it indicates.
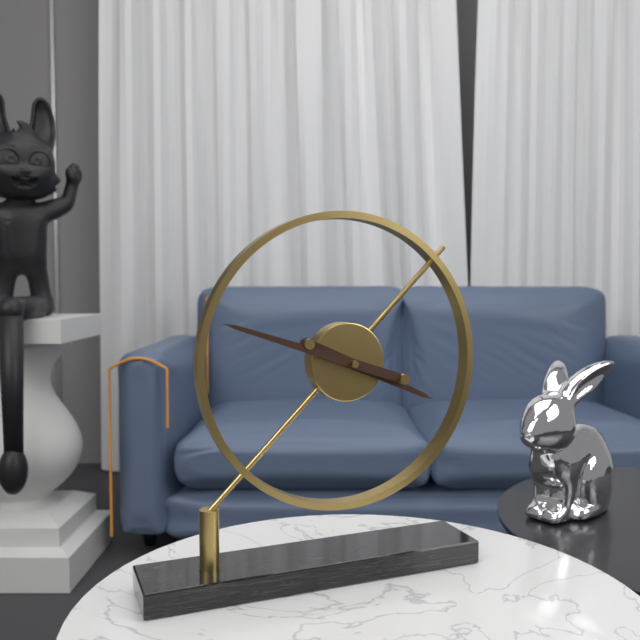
3:48
